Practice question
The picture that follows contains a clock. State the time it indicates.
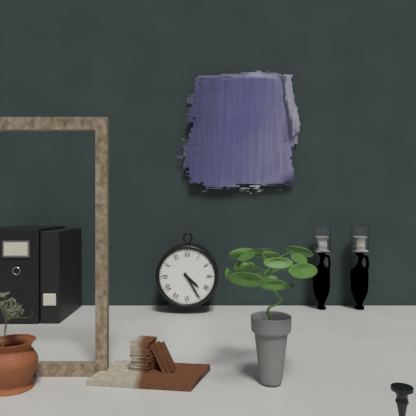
4:25
